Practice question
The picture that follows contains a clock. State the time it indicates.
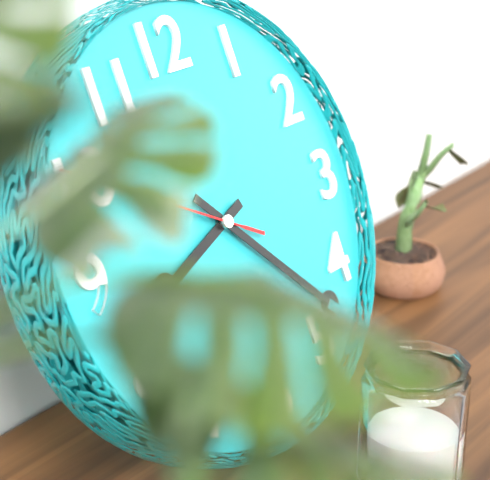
8:23:50
